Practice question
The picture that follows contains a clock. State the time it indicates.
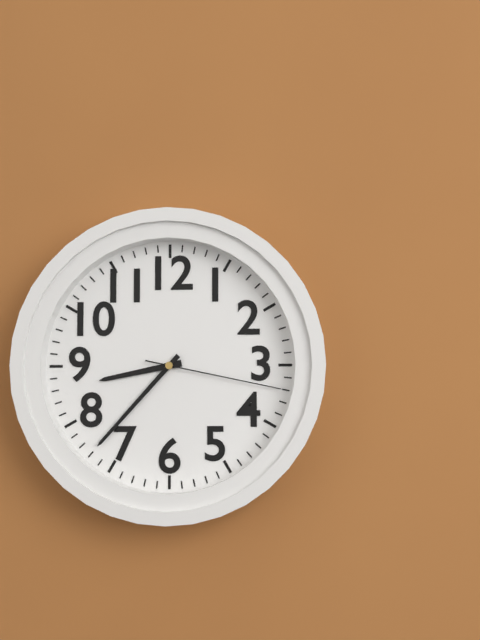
8:37:17
